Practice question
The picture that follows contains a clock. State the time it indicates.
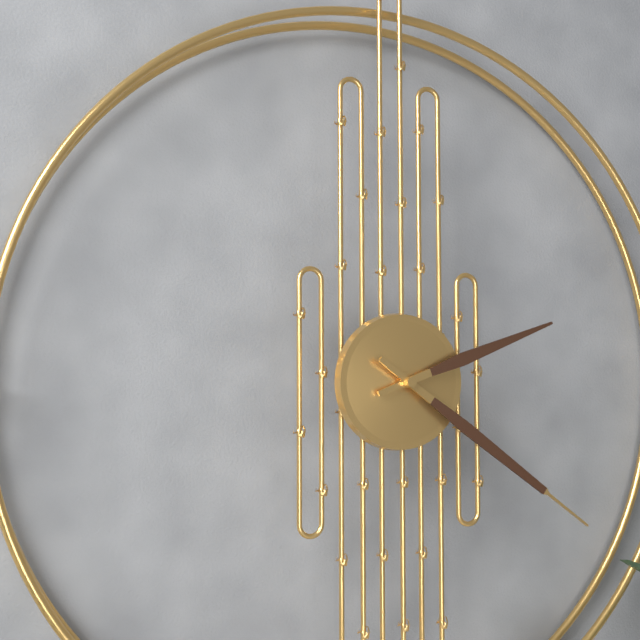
2:21
